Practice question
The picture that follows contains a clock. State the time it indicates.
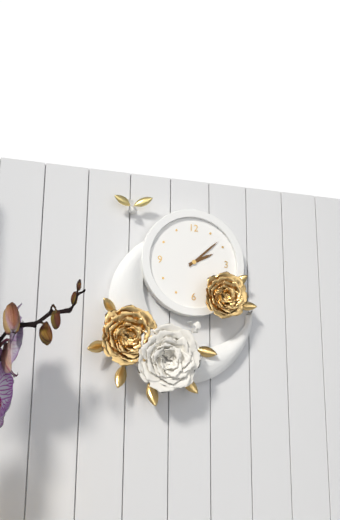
2:08
